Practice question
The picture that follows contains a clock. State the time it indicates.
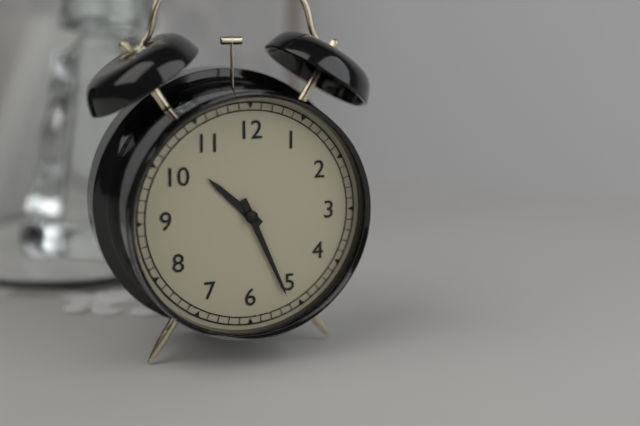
10:26
